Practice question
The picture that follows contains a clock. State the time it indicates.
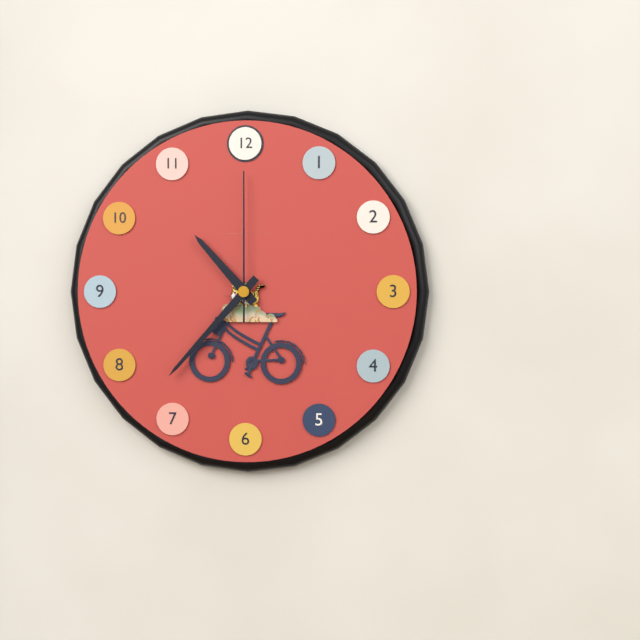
10:37:00
